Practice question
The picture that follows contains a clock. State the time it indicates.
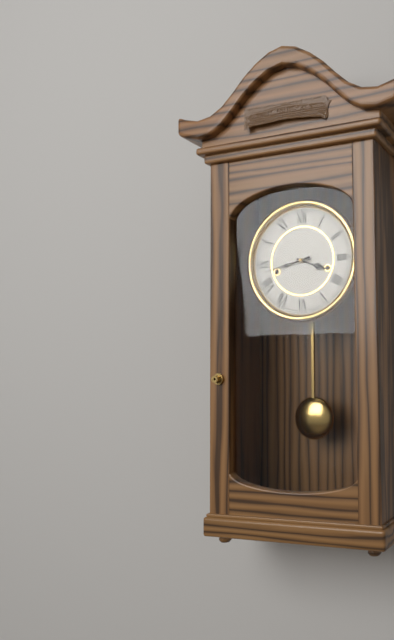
3:43
